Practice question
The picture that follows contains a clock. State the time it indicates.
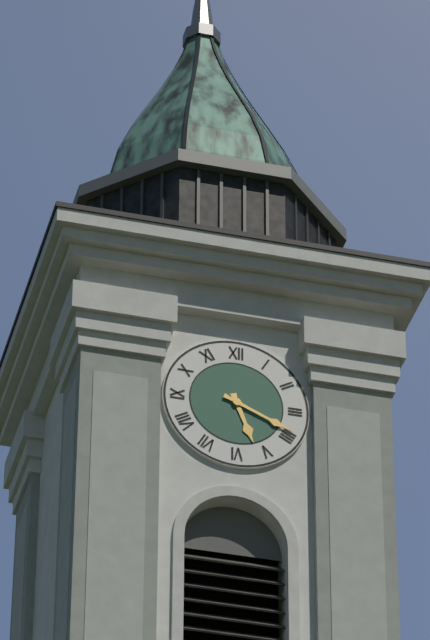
5:19
